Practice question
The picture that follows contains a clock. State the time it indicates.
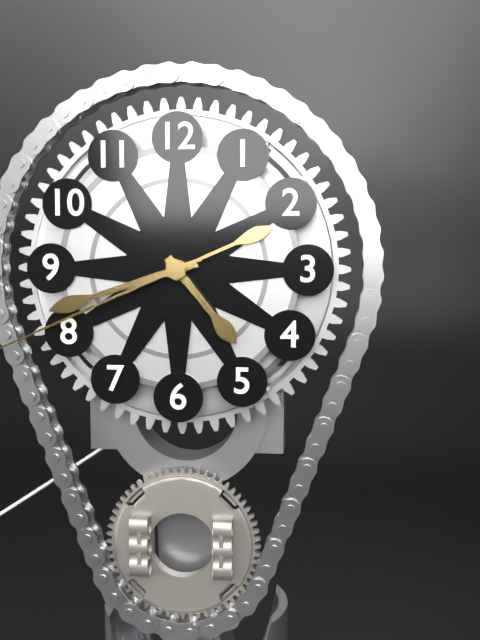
4:42
